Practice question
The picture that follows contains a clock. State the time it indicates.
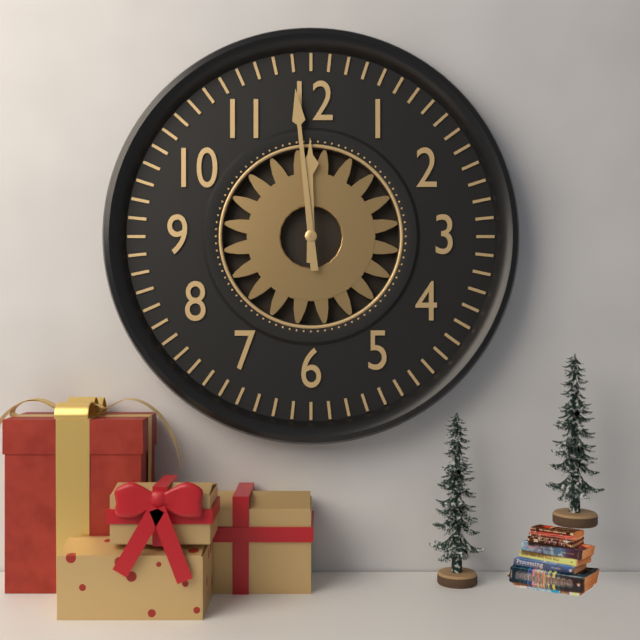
11:59
